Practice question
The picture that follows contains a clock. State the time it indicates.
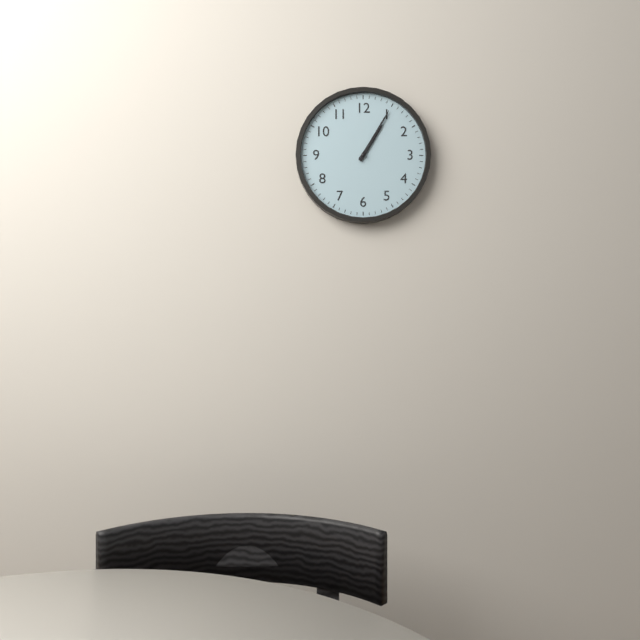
1:05
